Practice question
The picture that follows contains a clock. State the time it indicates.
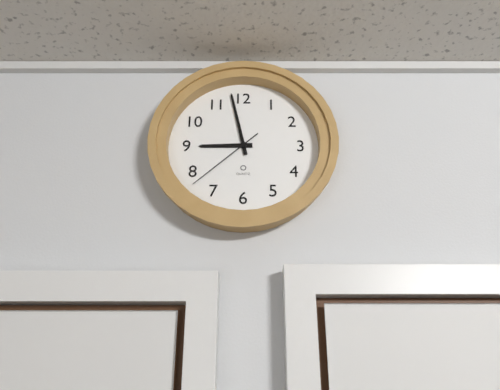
8:58:38
